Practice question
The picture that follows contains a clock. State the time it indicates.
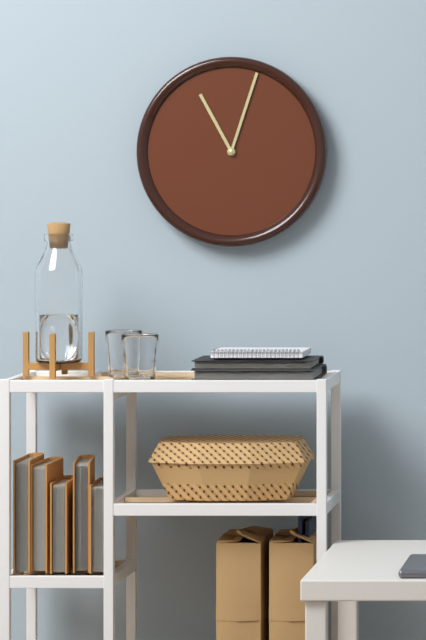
11:03
